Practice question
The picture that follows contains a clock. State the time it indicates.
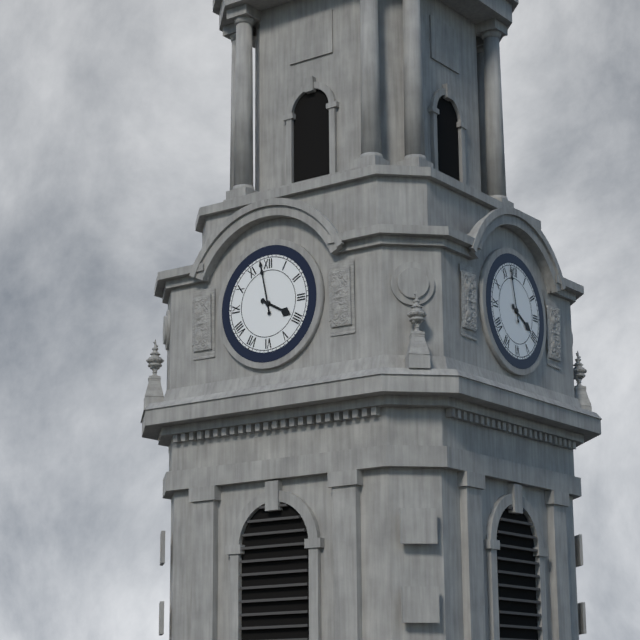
3:58
